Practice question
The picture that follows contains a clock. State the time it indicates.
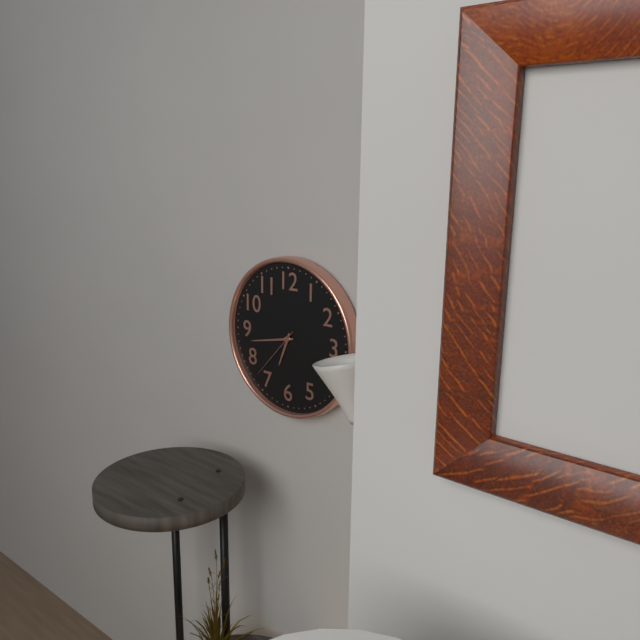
6:43:37
